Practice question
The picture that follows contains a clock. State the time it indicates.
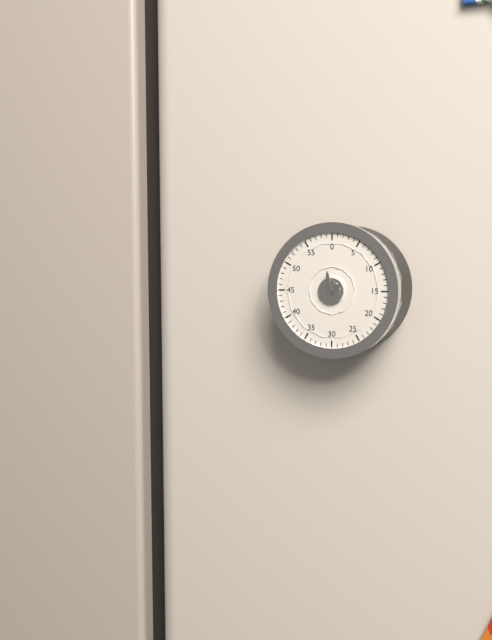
1:59
